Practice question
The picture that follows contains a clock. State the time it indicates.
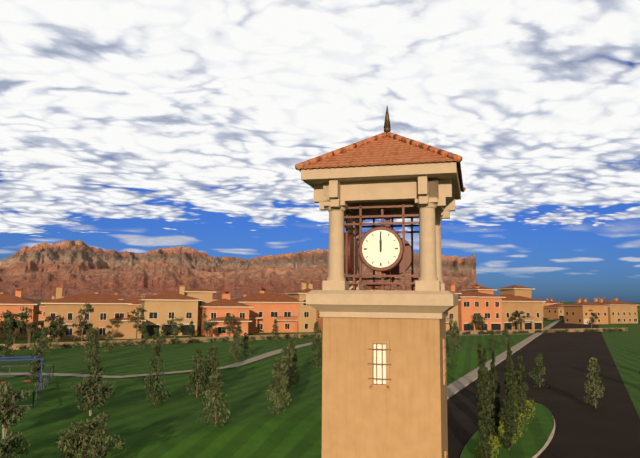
12:00
